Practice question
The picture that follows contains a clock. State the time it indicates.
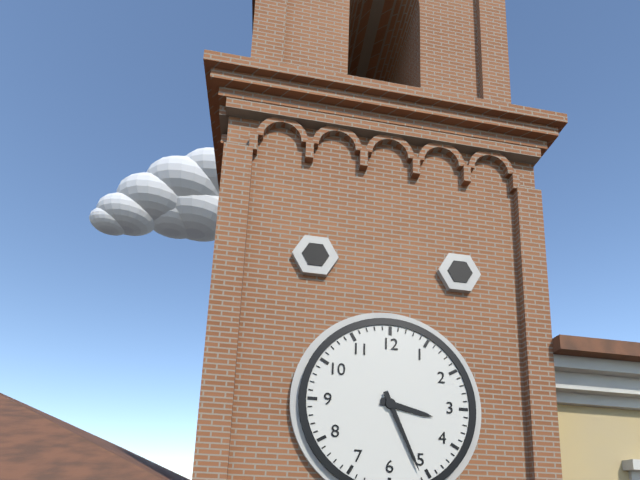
3:26
